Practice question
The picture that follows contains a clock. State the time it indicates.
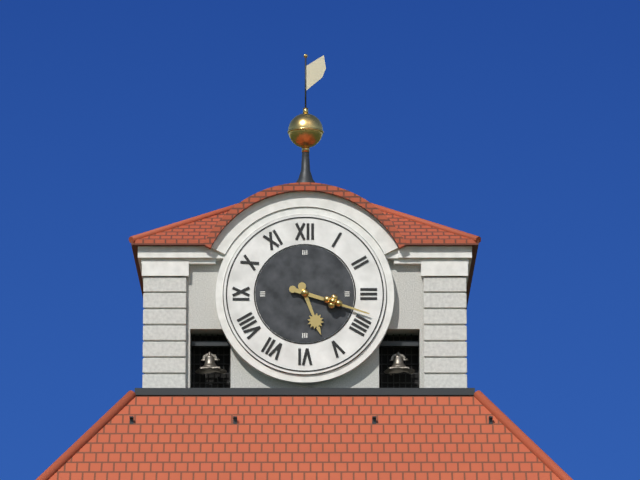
5:18
